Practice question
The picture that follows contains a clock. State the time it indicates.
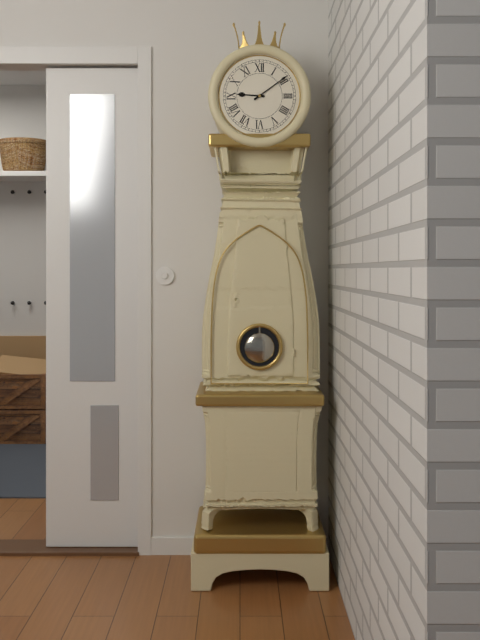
9:09
